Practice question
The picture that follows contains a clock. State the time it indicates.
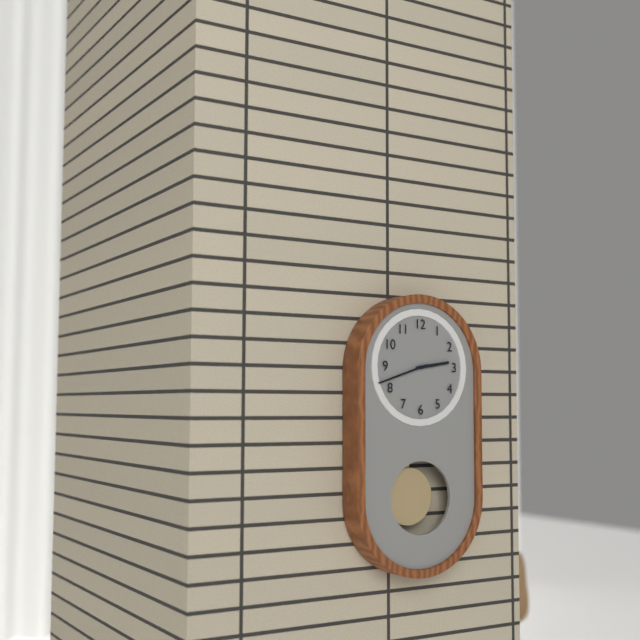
2:42
